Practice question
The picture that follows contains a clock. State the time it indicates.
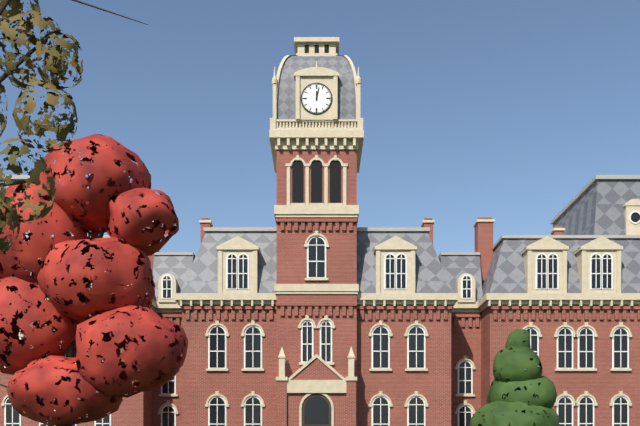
12:02
